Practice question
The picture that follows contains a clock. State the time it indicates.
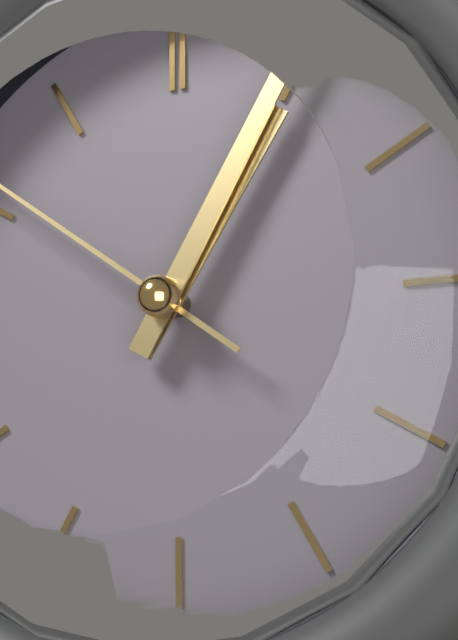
1:05
